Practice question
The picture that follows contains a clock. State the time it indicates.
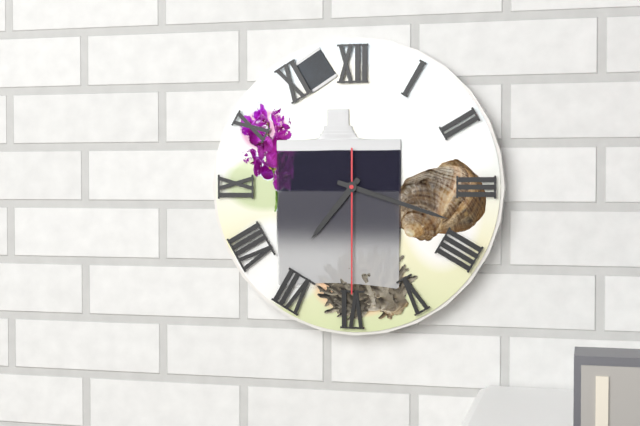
7:18:30
